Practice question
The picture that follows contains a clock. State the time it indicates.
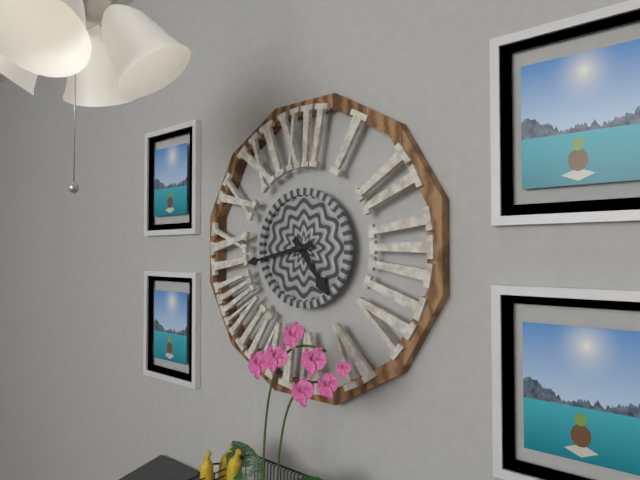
4:43
